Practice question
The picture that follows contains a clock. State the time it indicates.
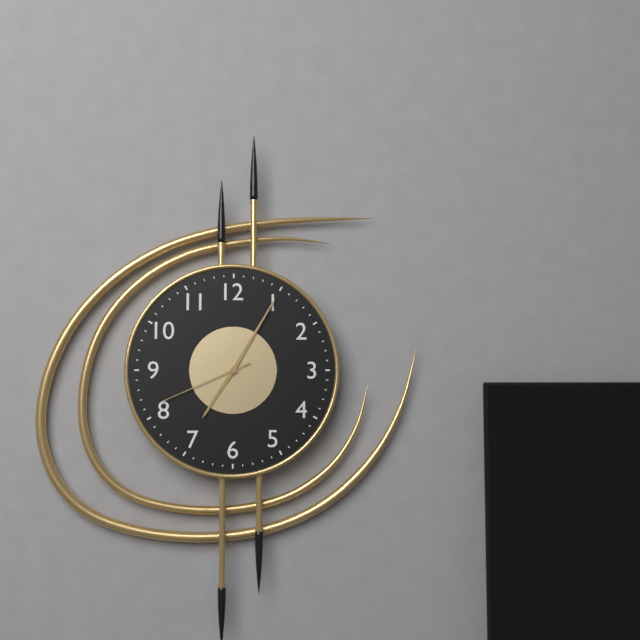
7:05:41
